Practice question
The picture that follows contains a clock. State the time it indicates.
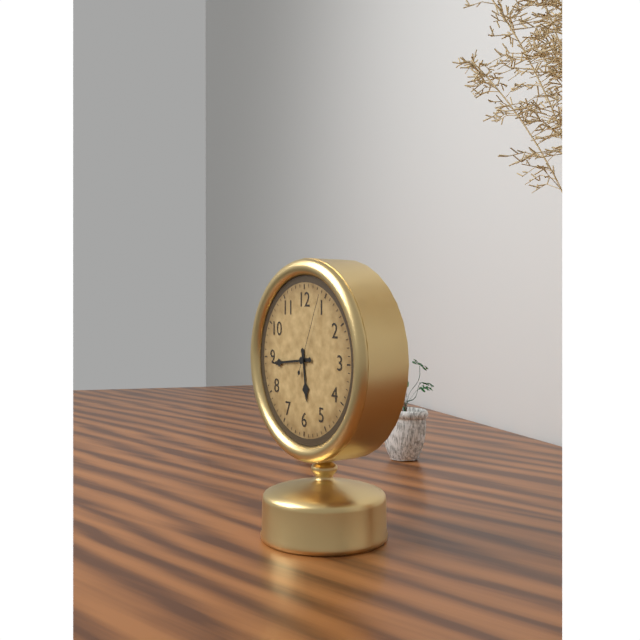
5:44:04
